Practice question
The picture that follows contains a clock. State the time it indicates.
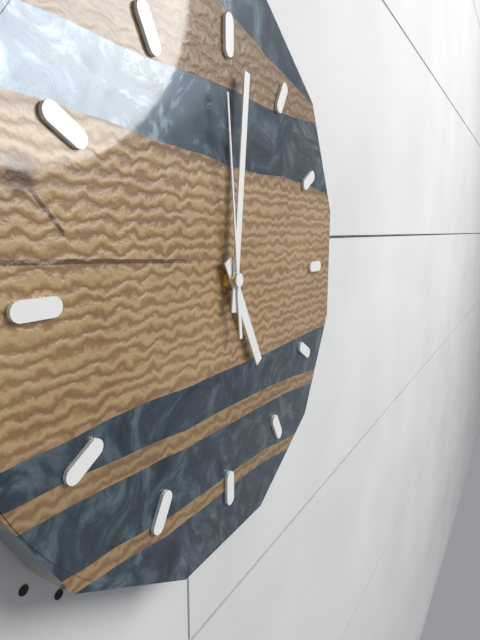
5:01:59
